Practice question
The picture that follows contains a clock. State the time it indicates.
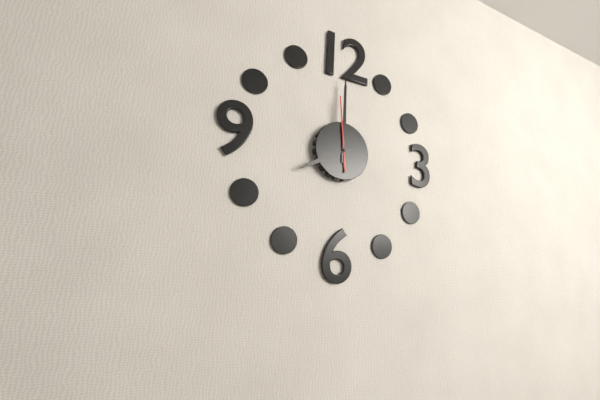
8:00:59
